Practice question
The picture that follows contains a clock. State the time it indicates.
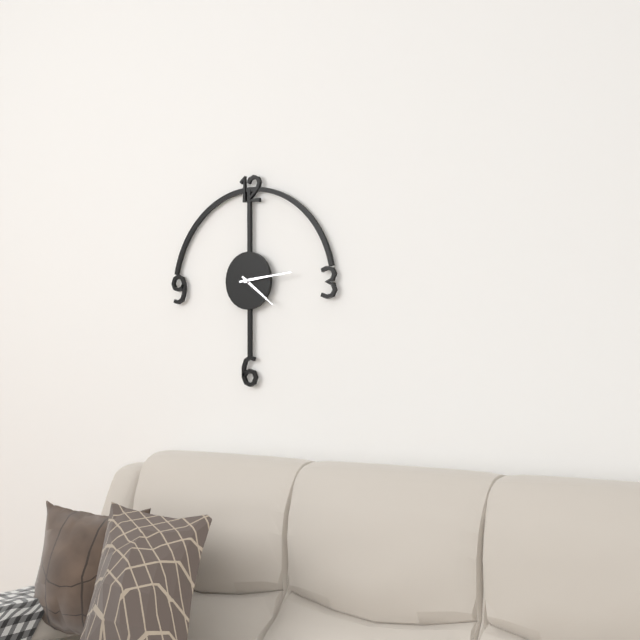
4:14
